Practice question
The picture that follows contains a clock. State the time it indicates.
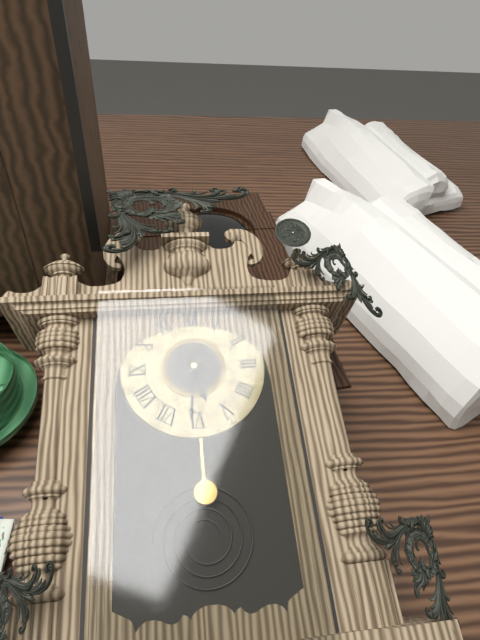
5:31
